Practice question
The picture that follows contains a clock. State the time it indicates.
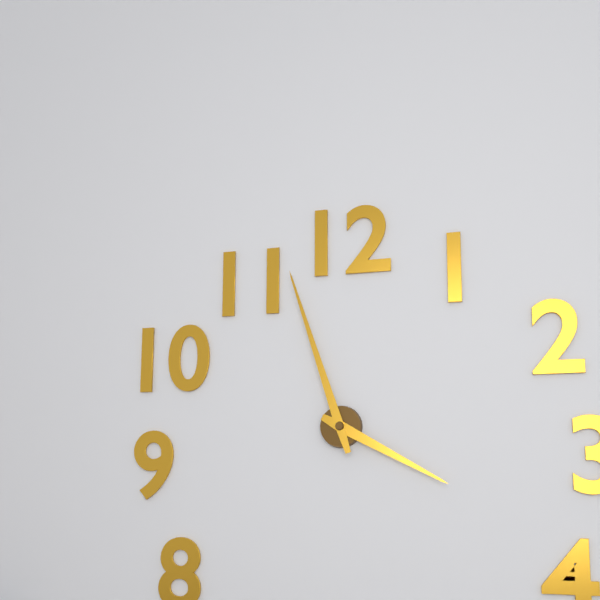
3:57
